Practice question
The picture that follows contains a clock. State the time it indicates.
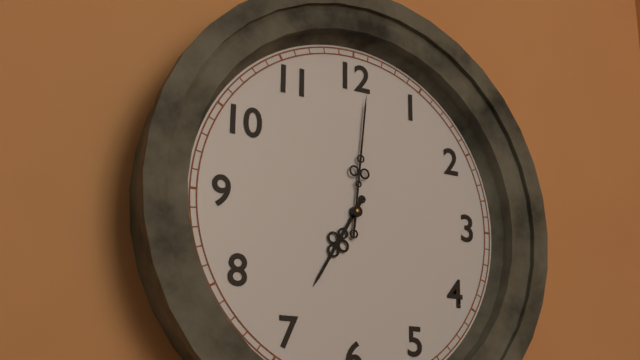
7:01
